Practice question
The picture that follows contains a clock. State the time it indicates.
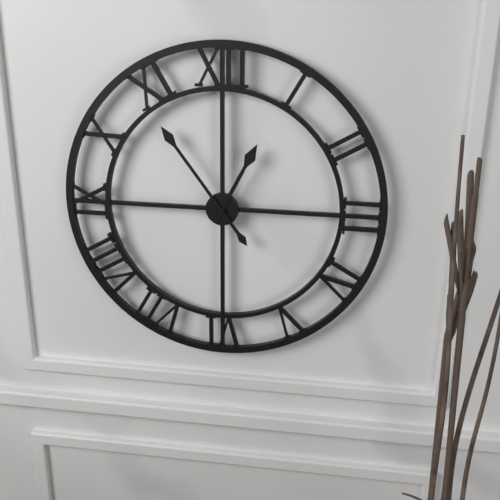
12:54
